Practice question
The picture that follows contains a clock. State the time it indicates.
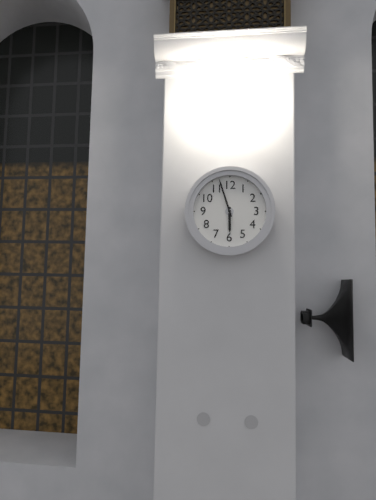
5:57
